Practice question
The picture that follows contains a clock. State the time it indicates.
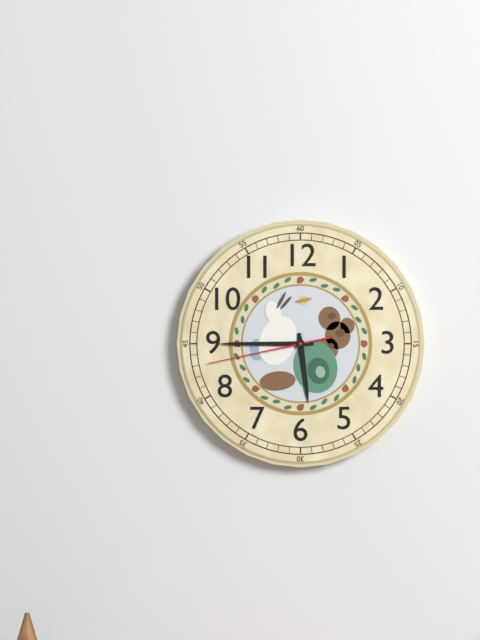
5:45:43
